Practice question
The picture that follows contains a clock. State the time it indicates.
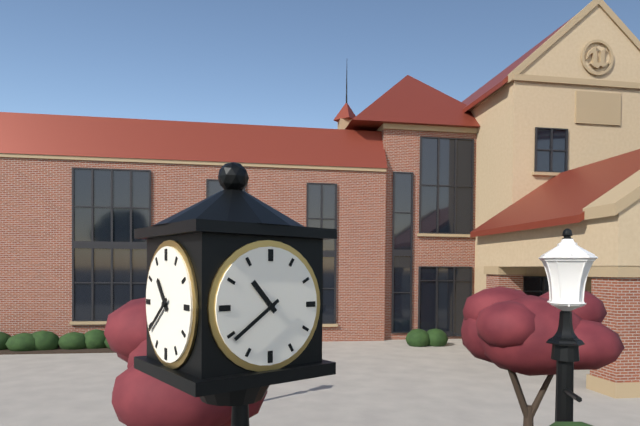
10:39
